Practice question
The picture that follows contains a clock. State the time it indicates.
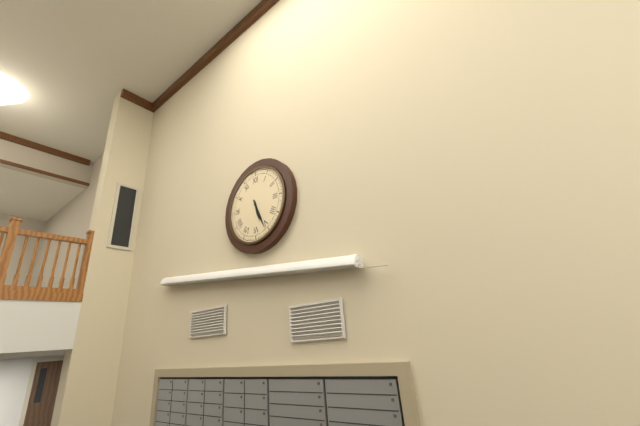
5:26
